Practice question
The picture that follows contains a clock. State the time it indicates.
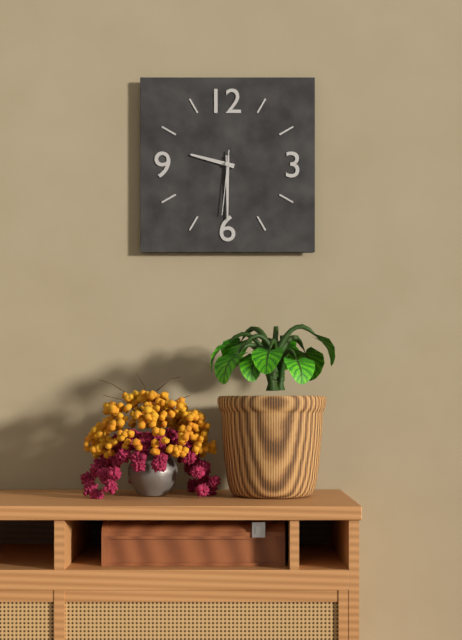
9:30:31
